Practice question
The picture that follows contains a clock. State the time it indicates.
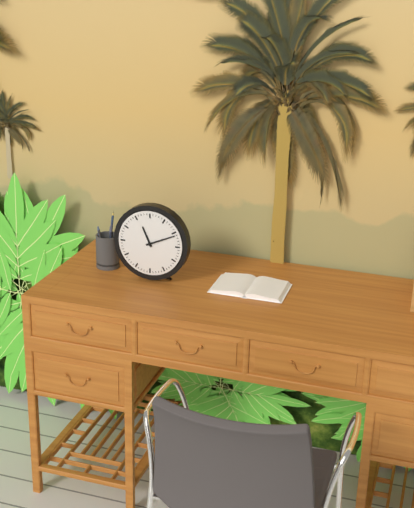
11:11
